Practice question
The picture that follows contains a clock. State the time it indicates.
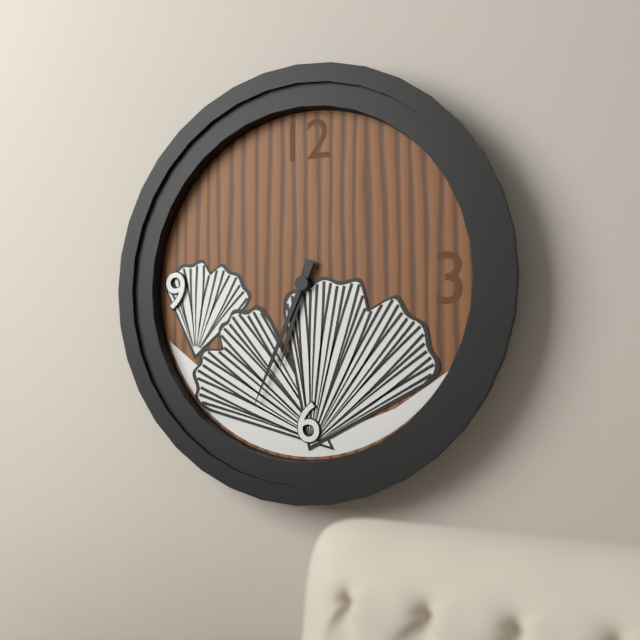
6:34
